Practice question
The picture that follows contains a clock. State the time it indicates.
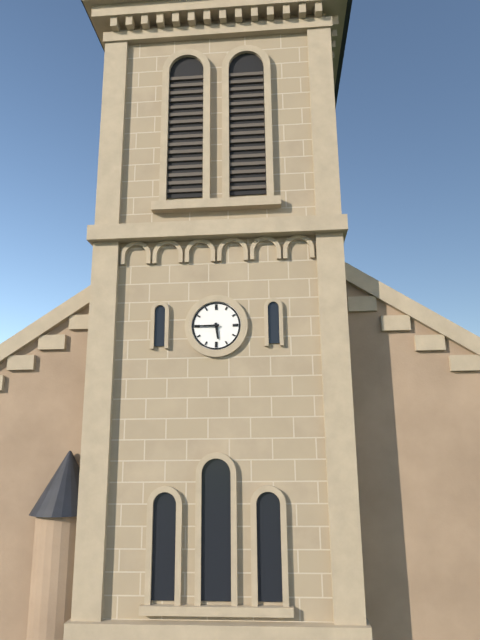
5:45
